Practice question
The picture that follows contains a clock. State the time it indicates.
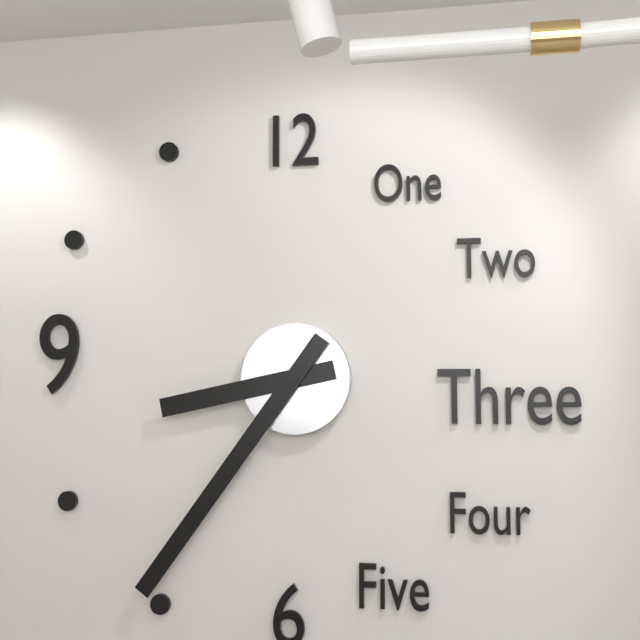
8:36
